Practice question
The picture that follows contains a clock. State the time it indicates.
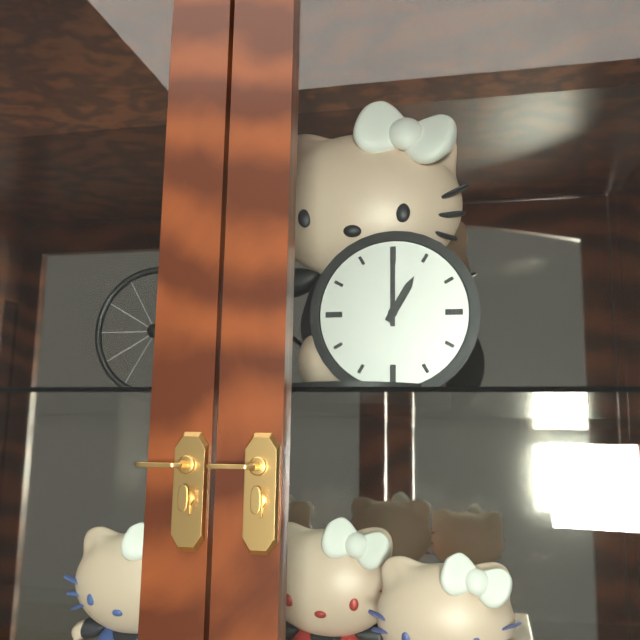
1:00
